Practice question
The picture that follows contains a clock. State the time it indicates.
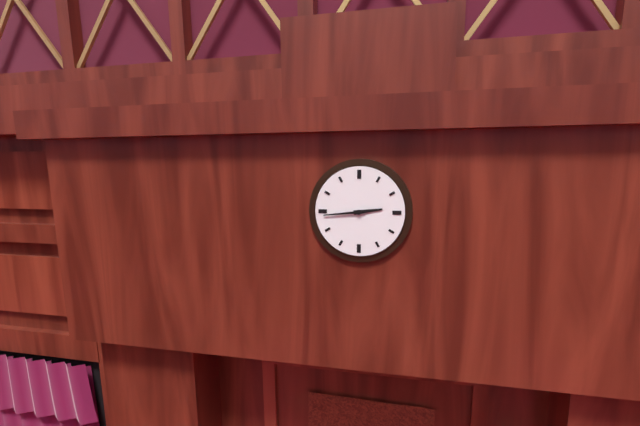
2:44
